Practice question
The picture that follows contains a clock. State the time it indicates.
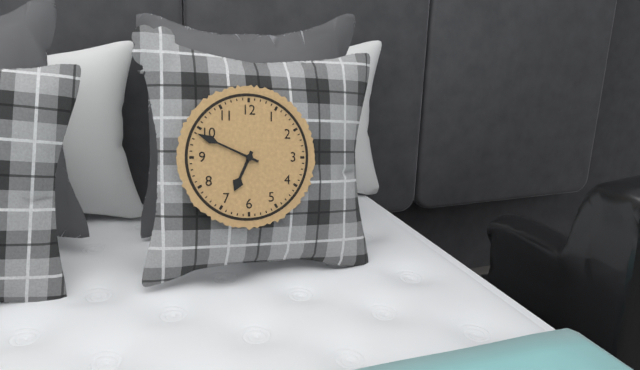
6:49
